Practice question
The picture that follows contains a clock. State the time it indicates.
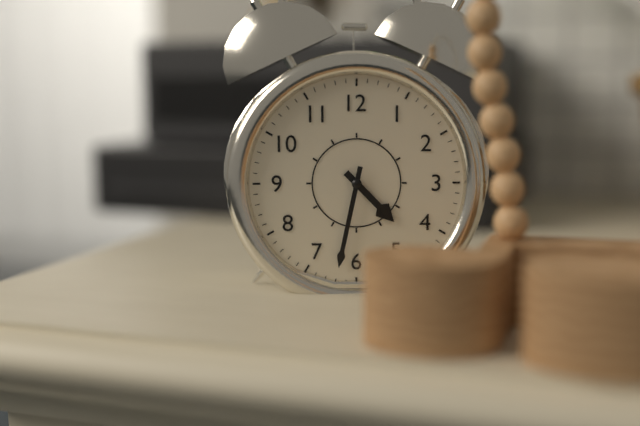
4:32
